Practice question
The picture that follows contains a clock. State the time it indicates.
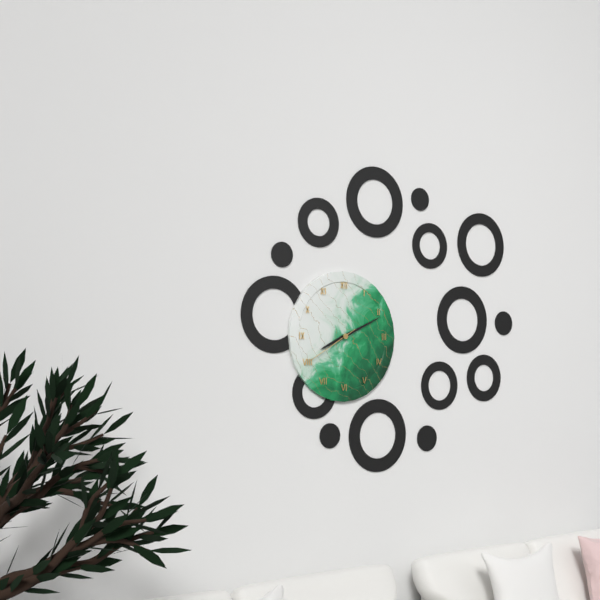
8:11:40
